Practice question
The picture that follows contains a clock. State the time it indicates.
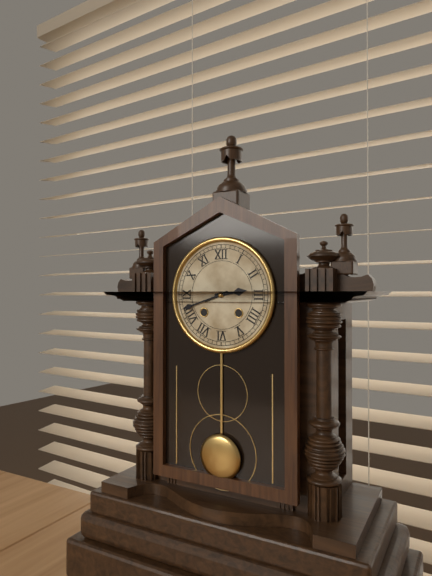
2:42
